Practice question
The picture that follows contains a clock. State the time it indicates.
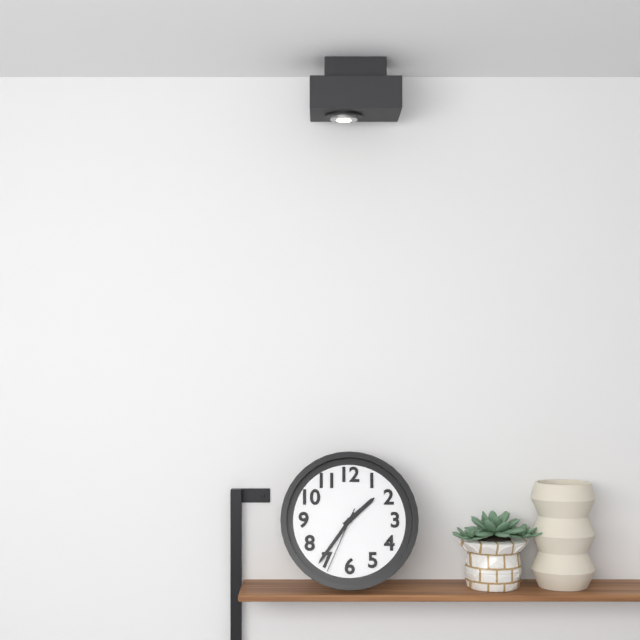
1:36:34
